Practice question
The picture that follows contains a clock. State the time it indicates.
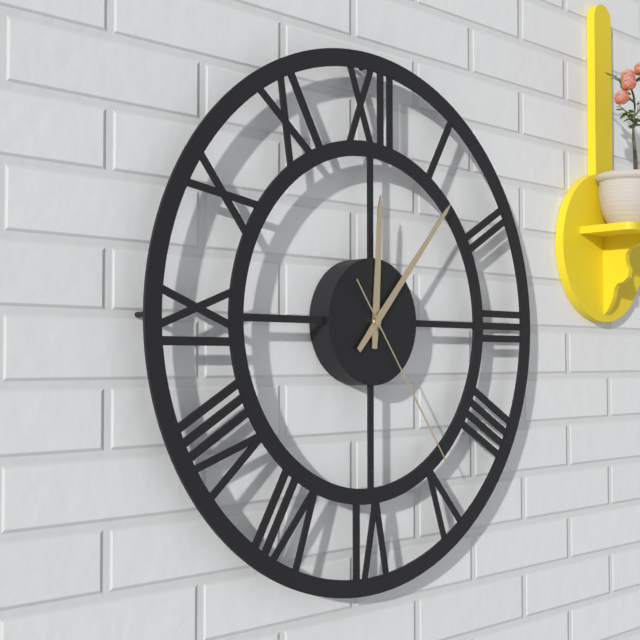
12:07:24
